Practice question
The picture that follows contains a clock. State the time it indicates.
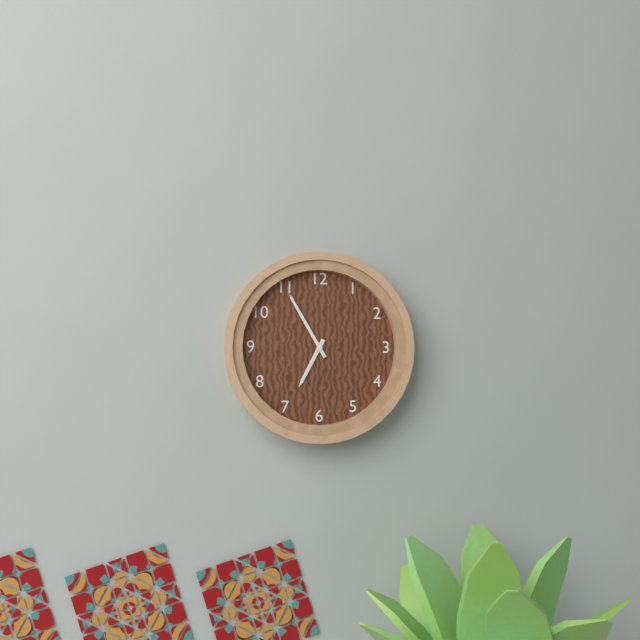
6:55
